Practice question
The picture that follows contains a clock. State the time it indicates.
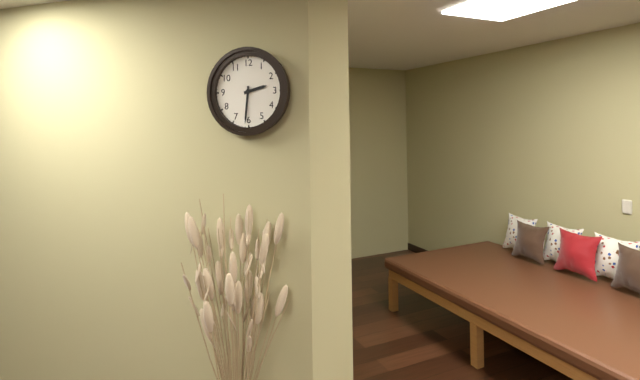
2:31
